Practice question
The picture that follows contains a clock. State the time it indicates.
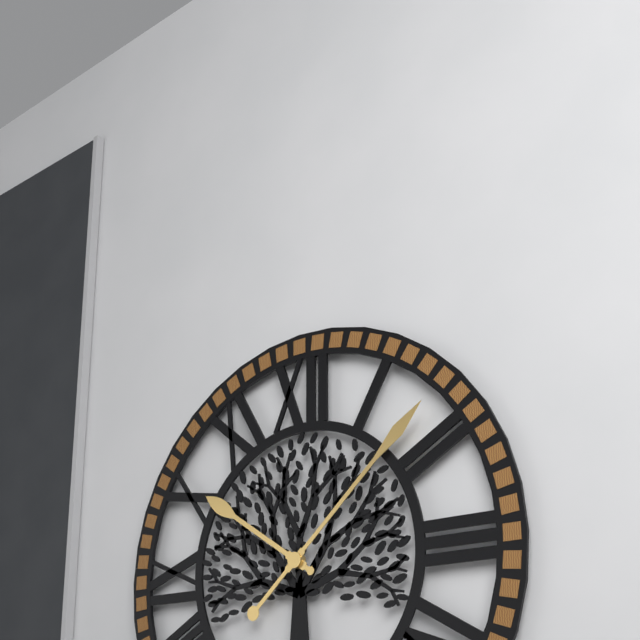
10:08
